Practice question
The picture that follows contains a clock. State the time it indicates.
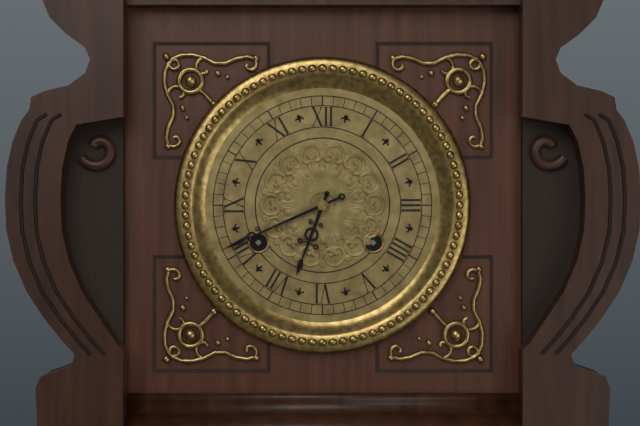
6:41
